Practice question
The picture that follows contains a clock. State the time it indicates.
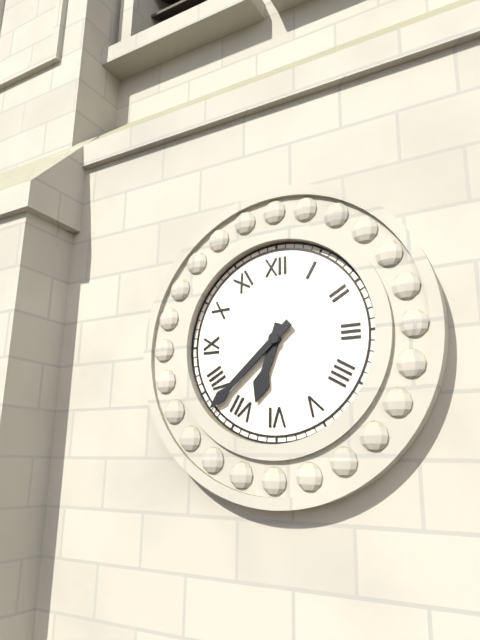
6:38
